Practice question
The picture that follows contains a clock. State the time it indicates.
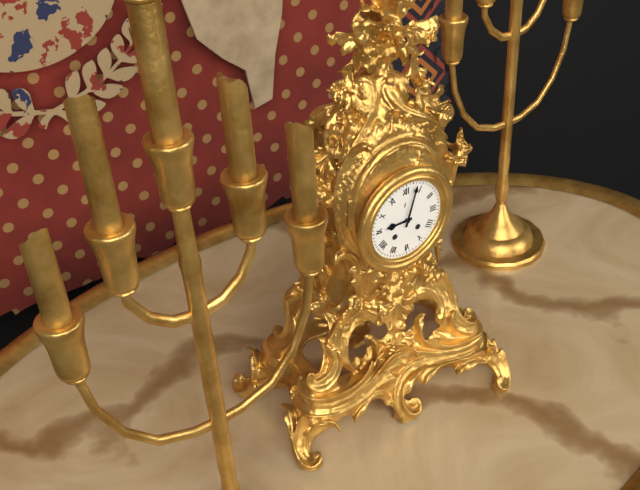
9:03
